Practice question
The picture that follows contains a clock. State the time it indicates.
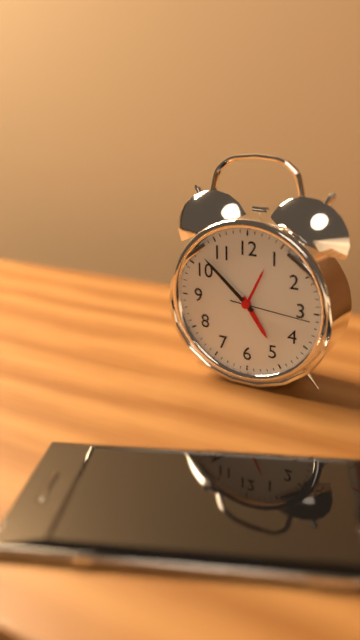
4:52:16
